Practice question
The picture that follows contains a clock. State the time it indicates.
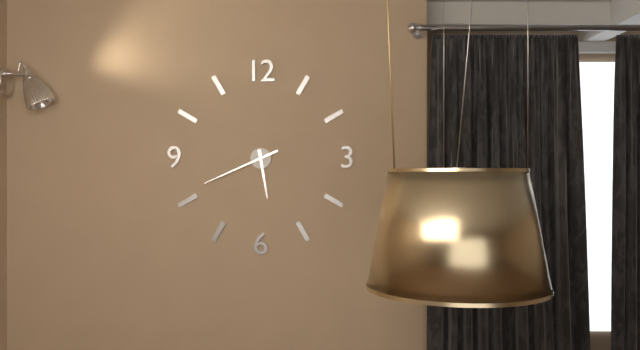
5:41
